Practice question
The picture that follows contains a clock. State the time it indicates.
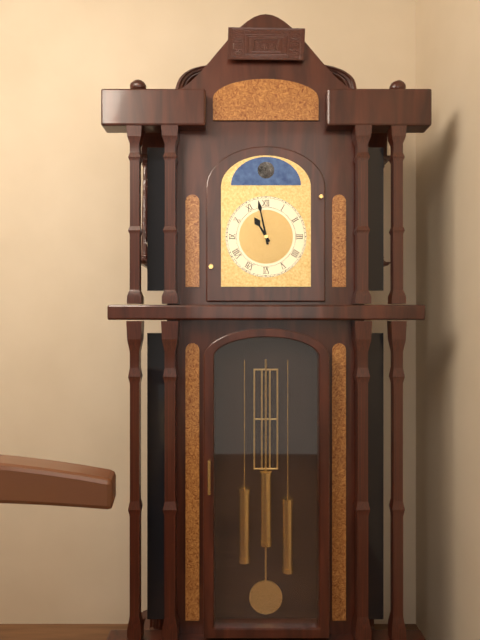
10:58
